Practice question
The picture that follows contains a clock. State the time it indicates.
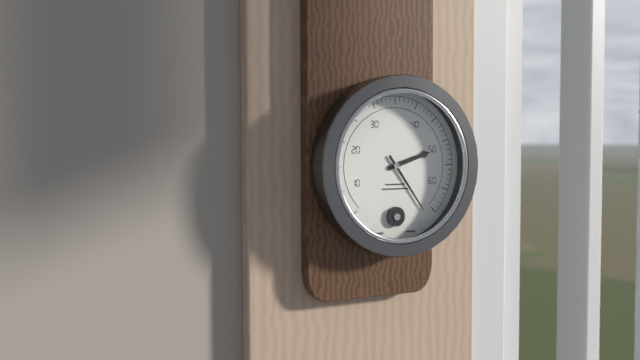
2:24
